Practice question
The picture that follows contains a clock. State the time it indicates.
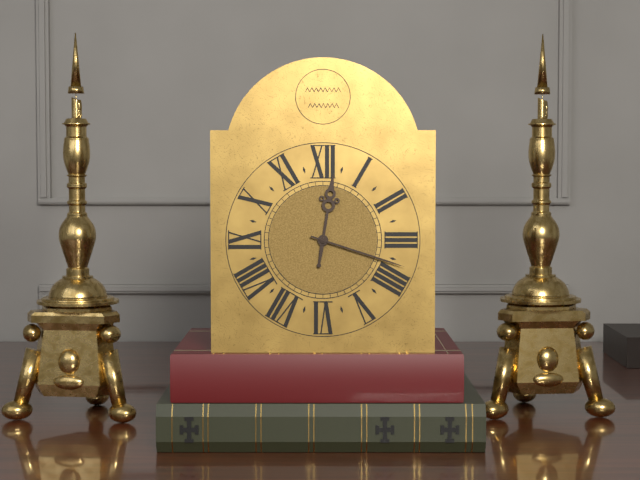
12:18
